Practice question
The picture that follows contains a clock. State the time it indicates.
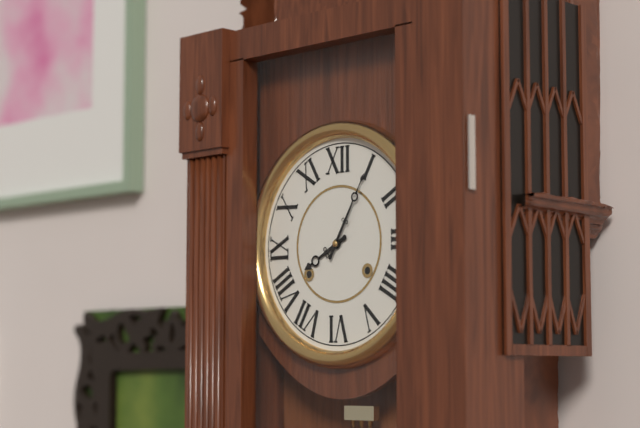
8:05
